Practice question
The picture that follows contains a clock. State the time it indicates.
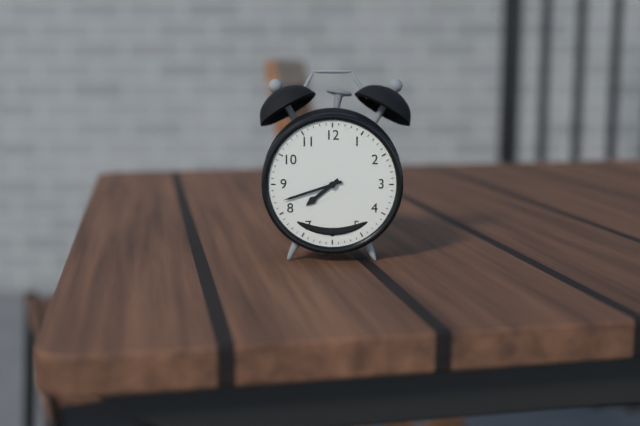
7:42
